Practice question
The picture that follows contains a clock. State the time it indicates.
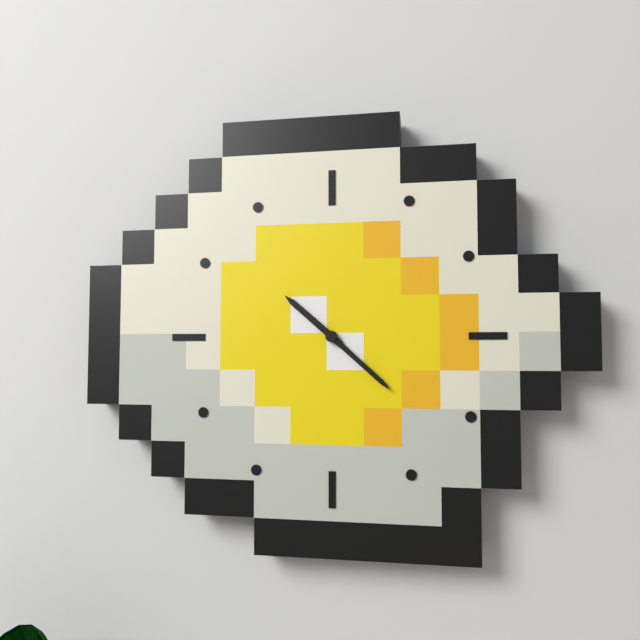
10:22
